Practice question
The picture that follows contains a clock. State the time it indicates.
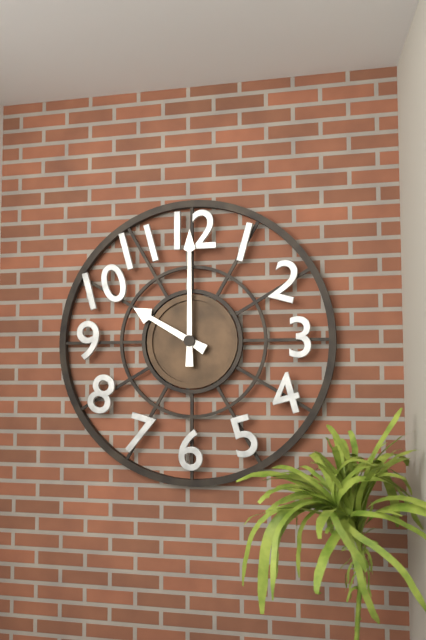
10:00
